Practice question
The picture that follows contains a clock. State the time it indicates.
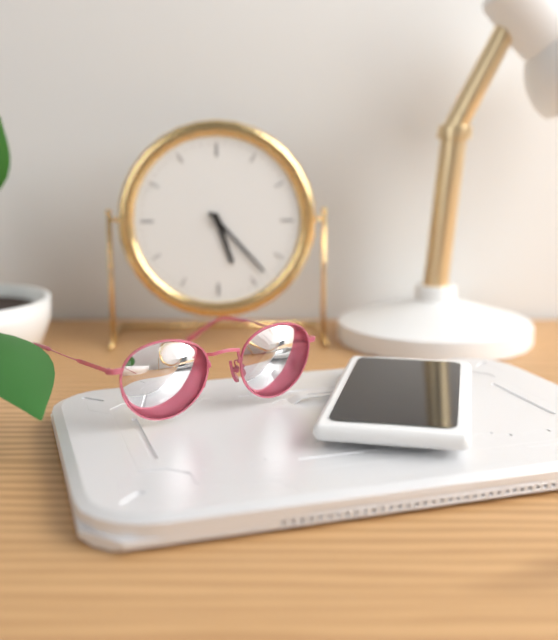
5:23
